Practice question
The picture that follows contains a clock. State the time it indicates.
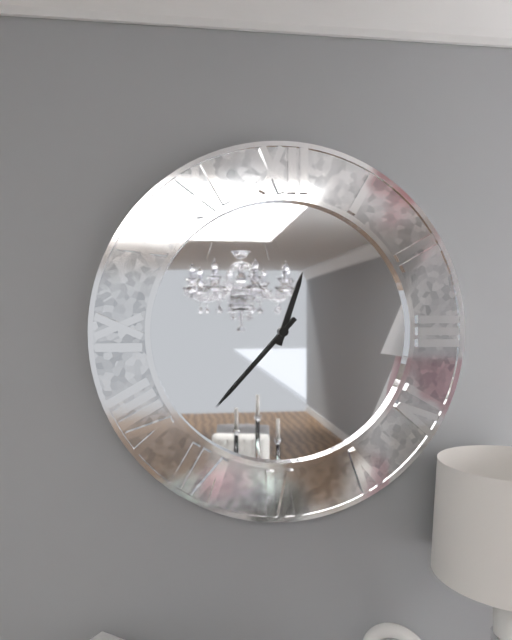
12:37
